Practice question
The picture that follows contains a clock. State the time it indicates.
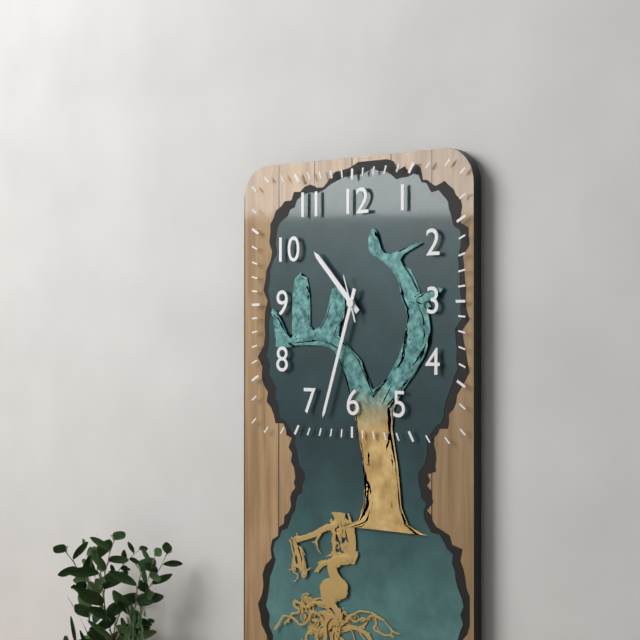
10:33
